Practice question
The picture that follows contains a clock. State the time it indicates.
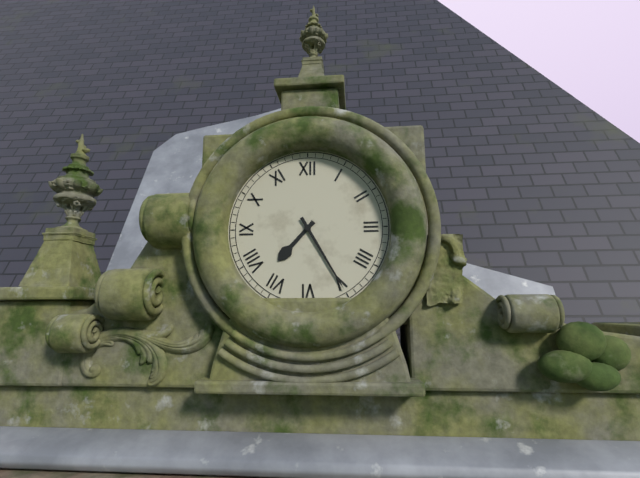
7:25
